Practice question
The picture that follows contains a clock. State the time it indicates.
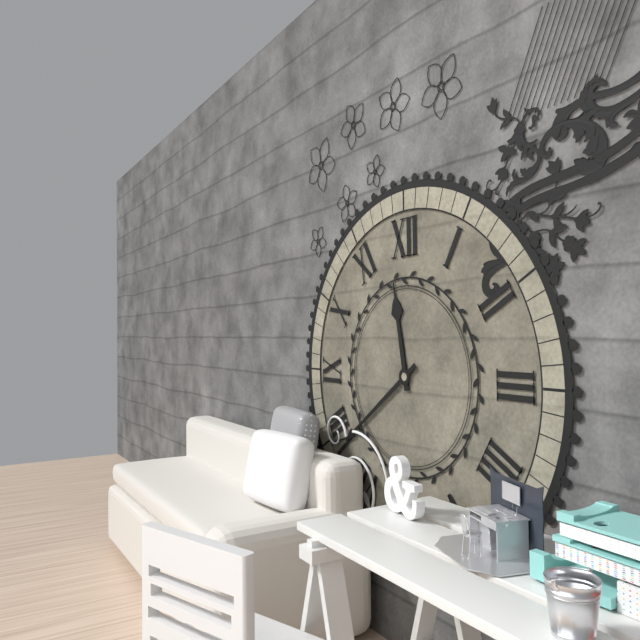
11:39
